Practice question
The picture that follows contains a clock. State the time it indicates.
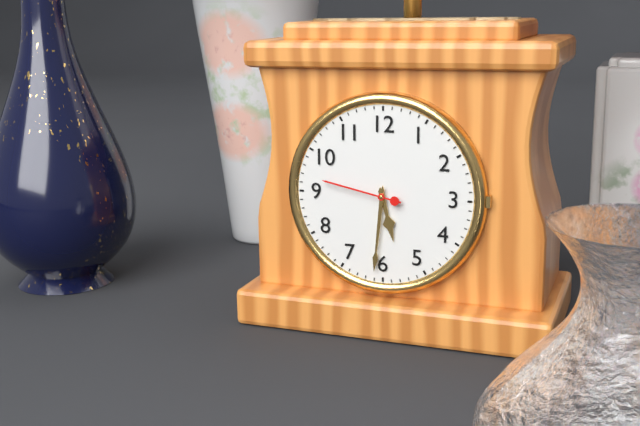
5:31:47
